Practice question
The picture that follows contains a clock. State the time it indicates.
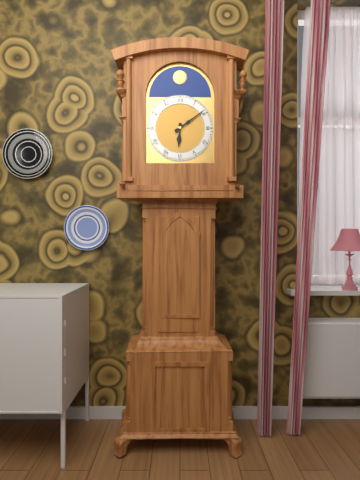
6:09
